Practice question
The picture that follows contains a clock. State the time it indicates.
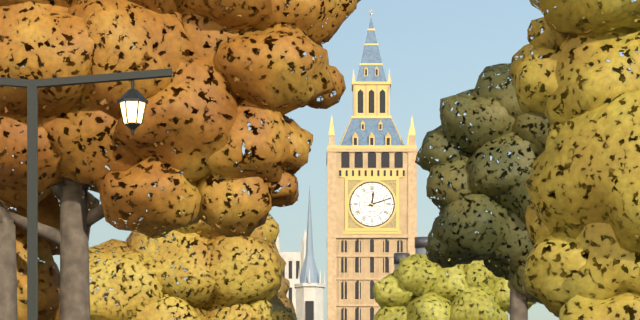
12:12
